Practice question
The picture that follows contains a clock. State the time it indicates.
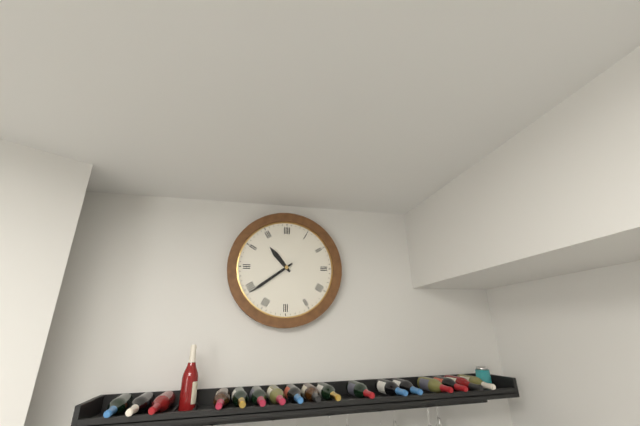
10:39
